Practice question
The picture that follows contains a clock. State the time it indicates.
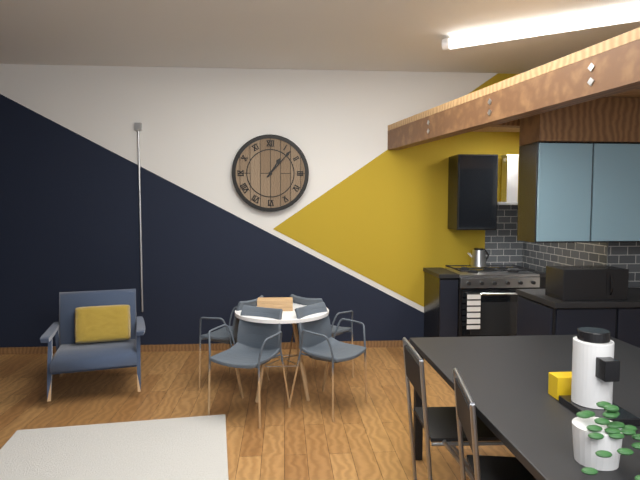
1:07
